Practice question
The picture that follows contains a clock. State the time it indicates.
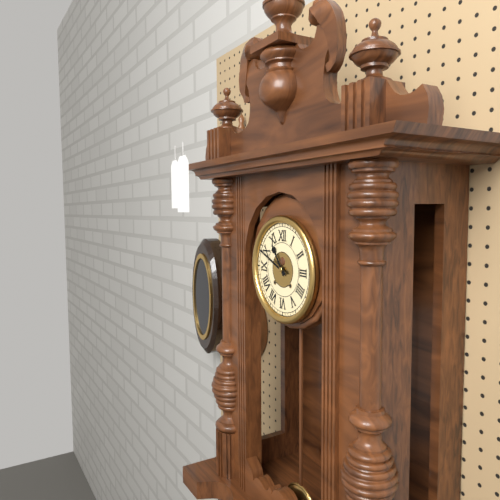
10:49
